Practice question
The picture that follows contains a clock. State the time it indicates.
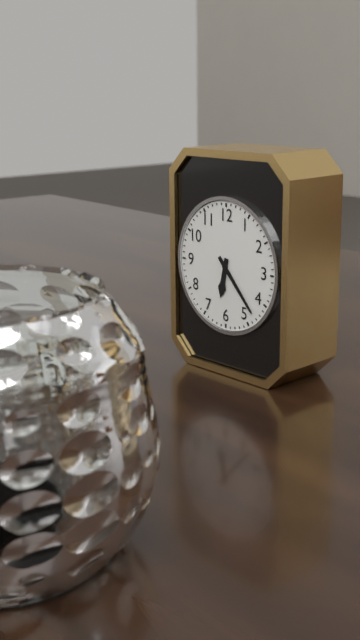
6:23
